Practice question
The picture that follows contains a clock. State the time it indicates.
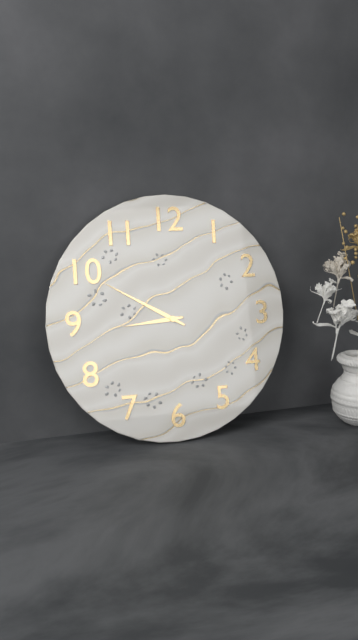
8:50
